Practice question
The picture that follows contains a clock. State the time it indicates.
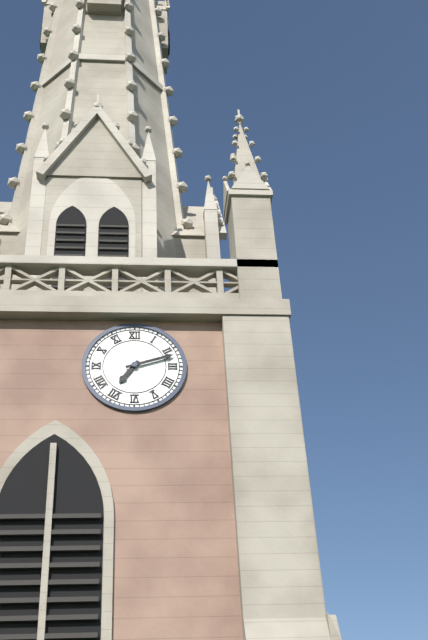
7:12
